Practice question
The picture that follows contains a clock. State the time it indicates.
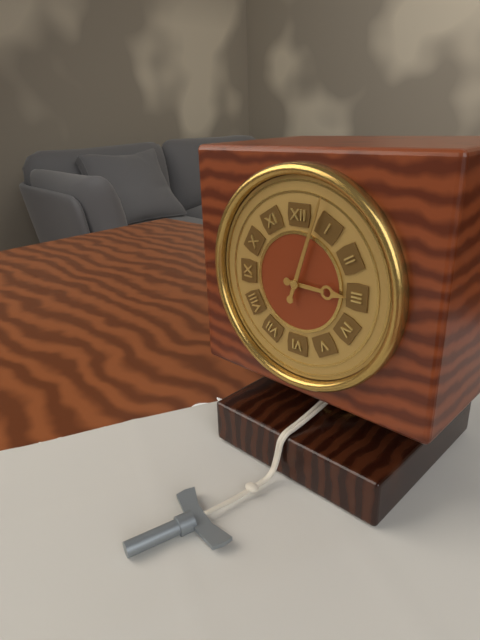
3:03
